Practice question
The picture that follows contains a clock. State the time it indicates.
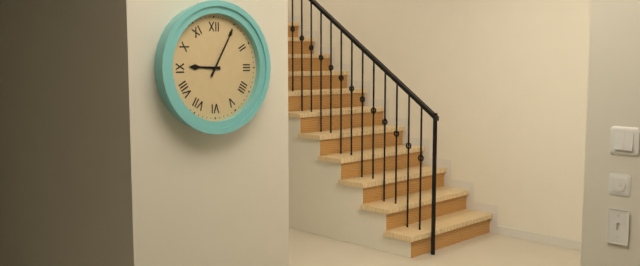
9:05
